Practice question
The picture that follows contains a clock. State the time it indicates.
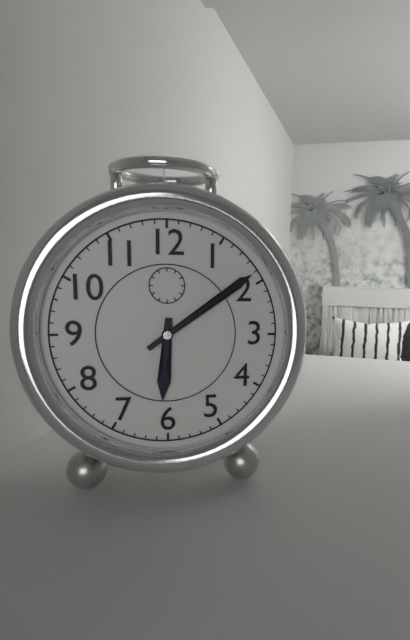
6:09
